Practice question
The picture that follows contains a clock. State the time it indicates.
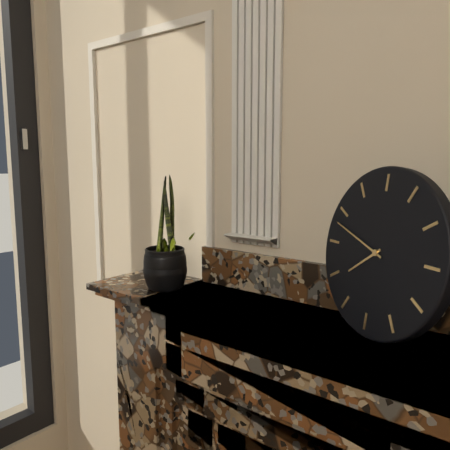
7:48
